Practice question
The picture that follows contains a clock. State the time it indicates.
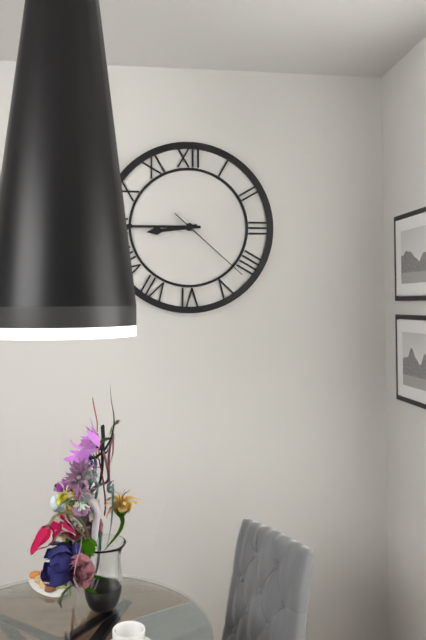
8:45:22
